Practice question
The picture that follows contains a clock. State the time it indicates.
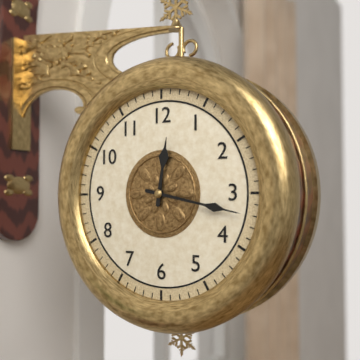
12:17
